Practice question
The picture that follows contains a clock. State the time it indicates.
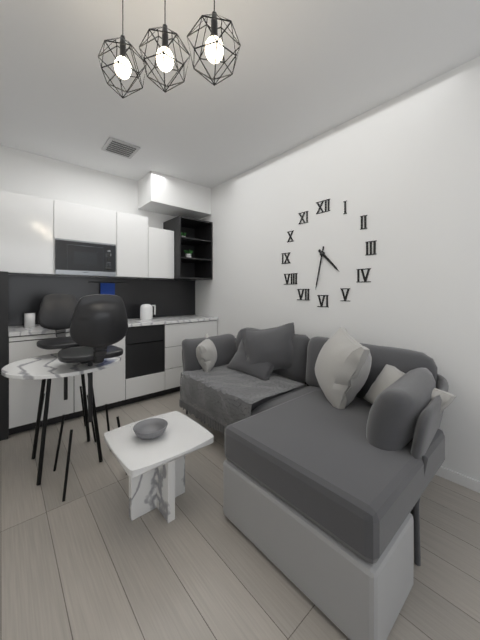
4:32
